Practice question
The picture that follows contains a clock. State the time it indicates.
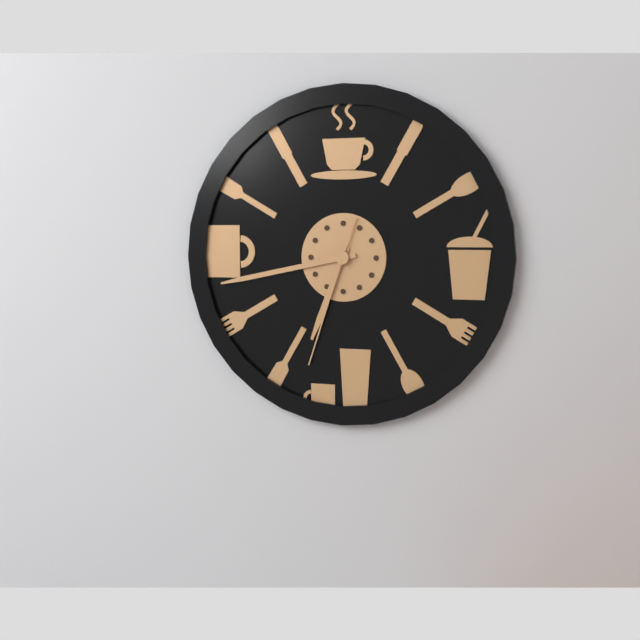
6:43:33
